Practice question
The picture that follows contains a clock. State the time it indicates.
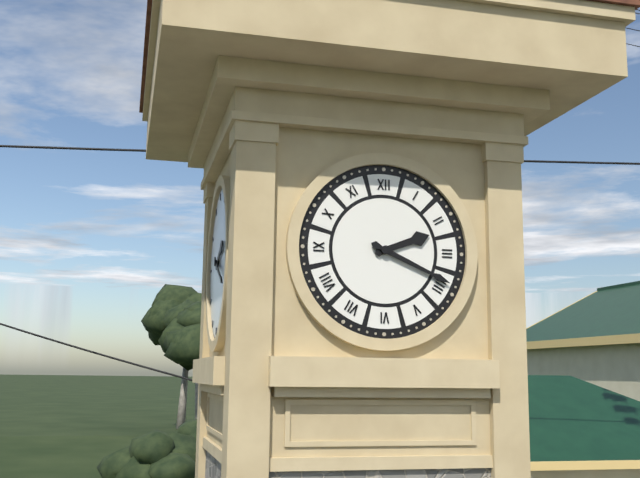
2:19
